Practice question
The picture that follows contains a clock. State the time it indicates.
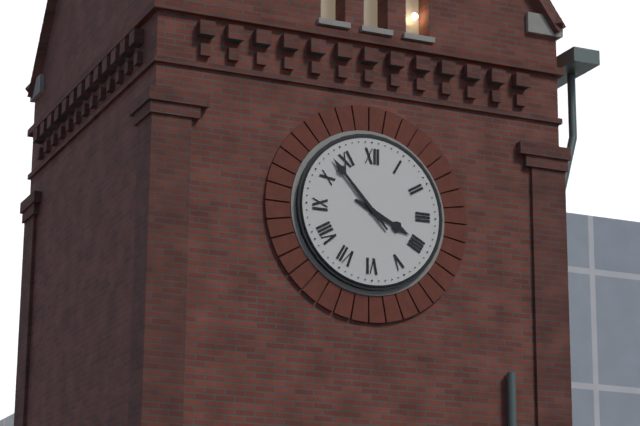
3:53
